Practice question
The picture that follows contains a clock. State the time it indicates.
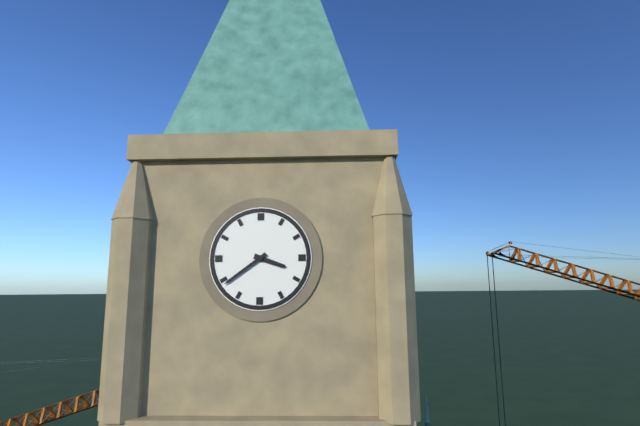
3:39
